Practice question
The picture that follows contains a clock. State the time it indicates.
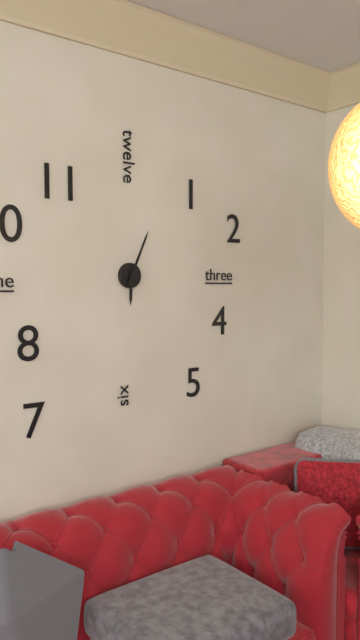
6:04
